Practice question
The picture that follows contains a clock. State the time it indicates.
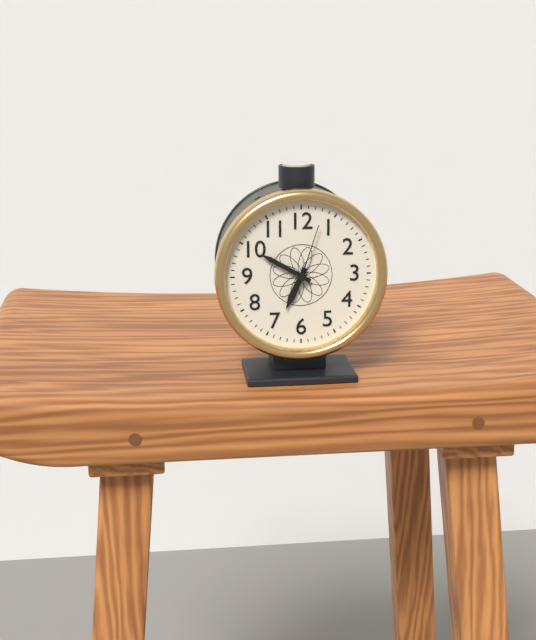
6:50:03
